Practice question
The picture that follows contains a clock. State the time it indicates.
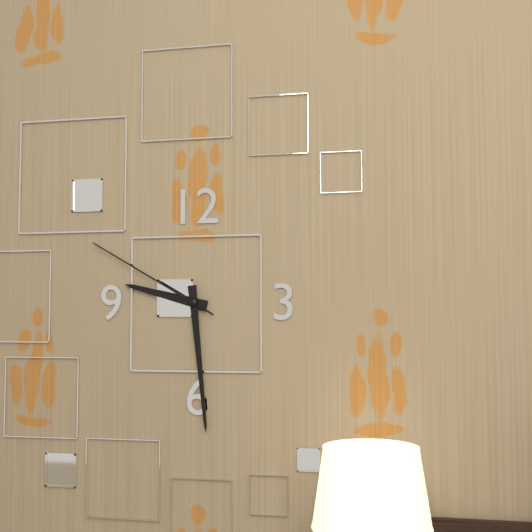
9:29:50
